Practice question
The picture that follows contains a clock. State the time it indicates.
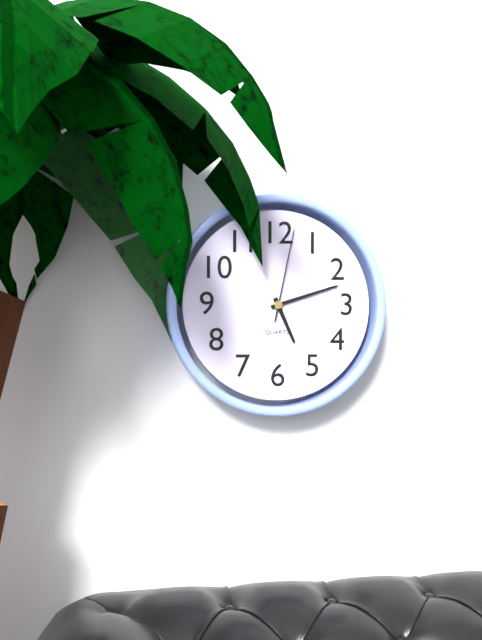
5:12:02
